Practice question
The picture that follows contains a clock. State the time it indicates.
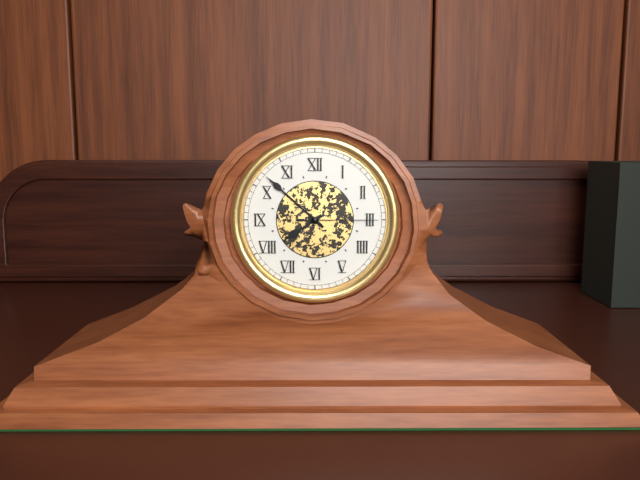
7:52:15
